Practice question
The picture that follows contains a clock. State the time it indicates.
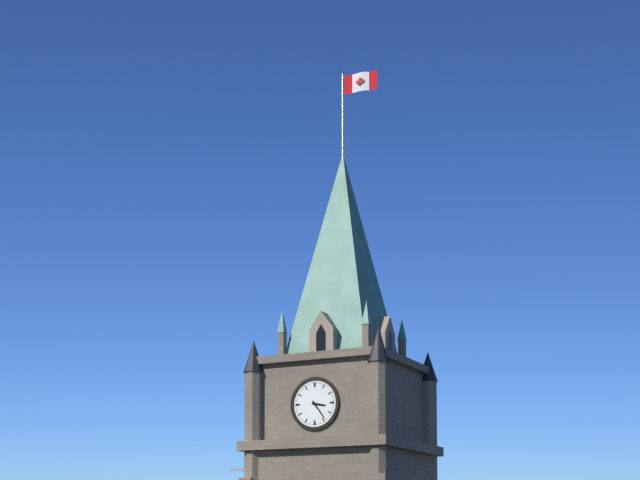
3:24
